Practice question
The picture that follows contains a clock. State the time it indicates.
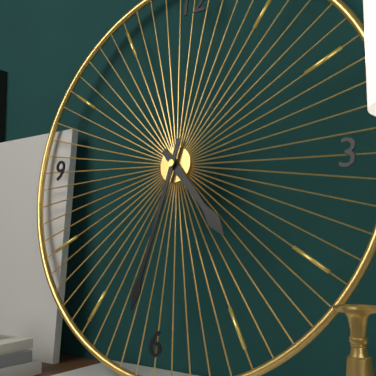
4:32
